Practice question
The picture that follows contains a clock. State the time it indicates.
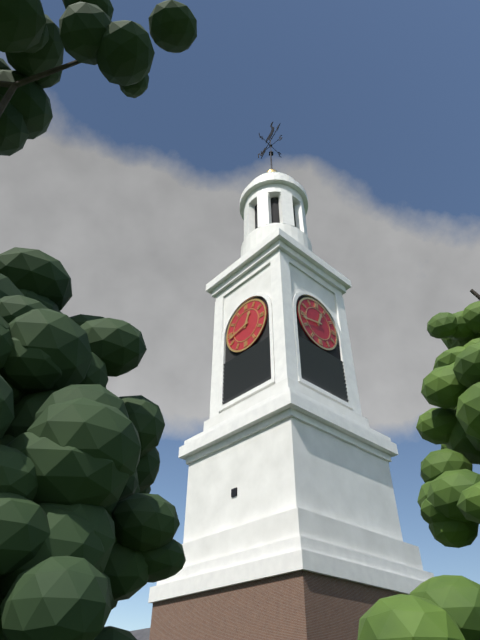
12:43
